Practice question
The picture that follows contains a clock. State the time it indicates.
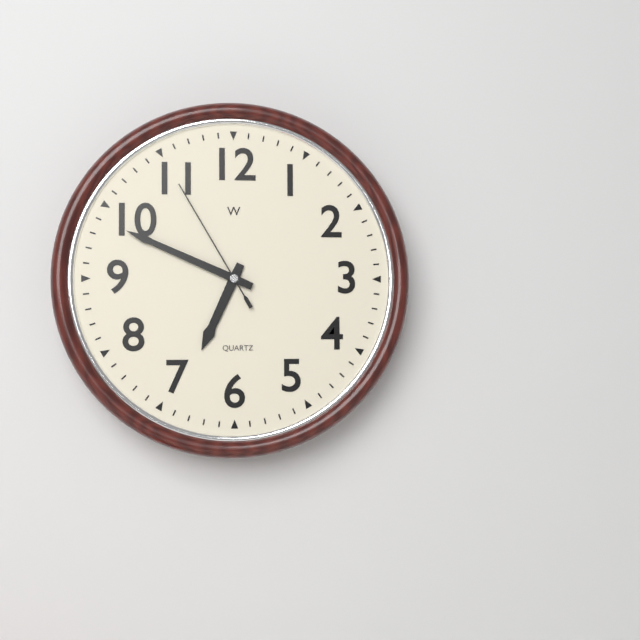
6:49:55
